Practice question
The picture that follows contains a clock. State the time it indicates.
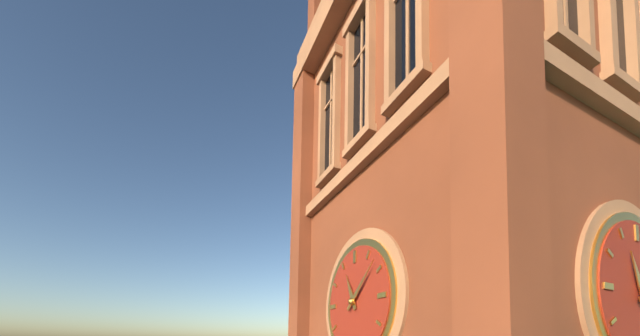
11:08
